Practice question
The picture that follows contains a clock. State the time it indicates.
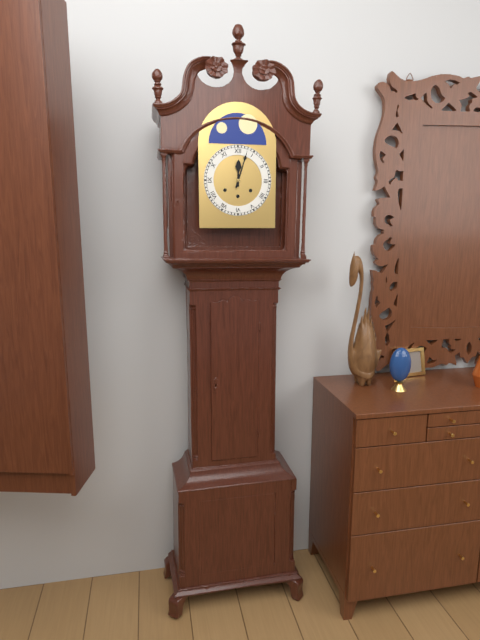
12:03
